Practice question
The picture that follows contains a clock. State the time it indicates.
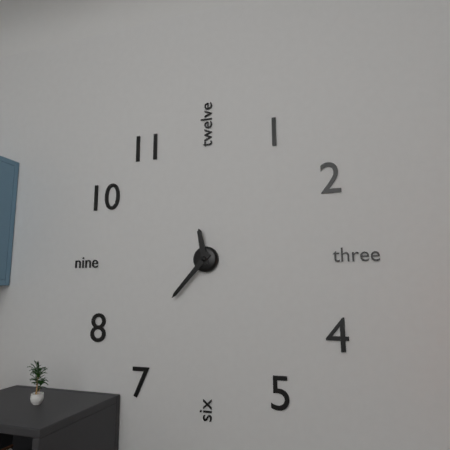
11:37
